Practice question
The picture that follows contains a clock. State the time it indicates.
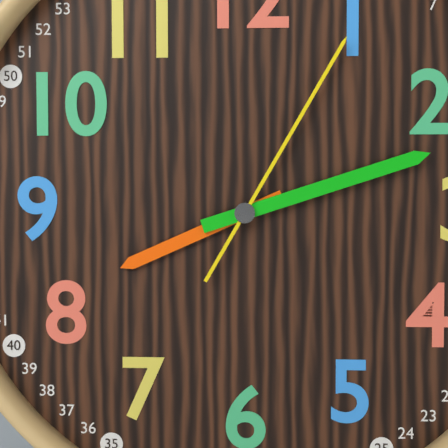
8:12:05
